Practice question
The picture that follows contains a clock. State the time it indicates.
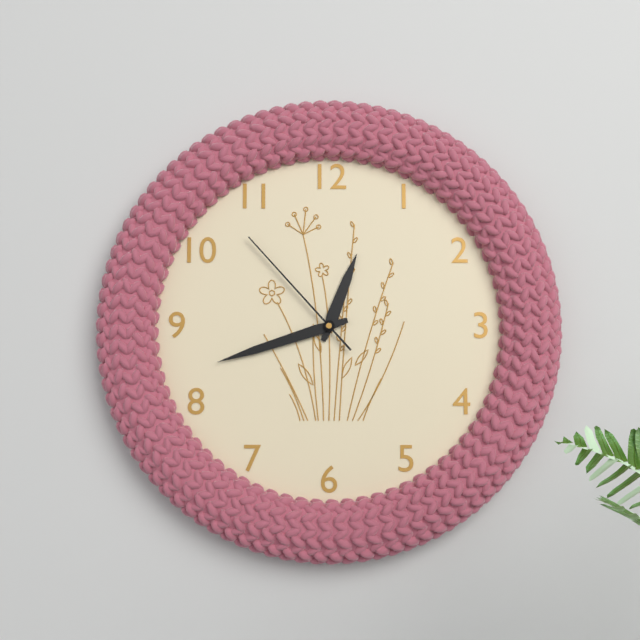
12:42:53
